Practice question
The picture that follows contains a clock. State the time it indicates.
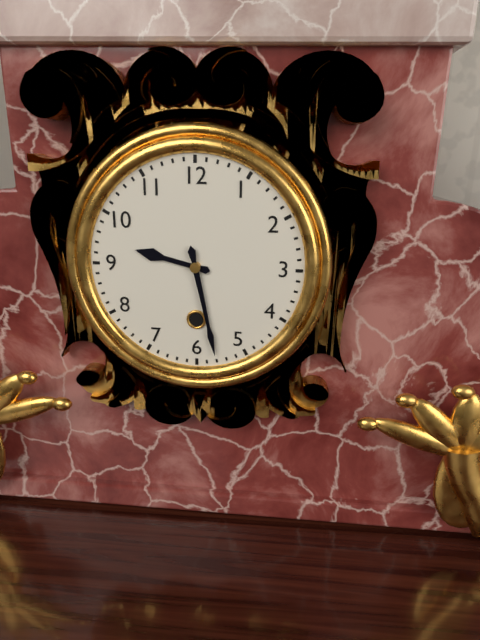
9:28
